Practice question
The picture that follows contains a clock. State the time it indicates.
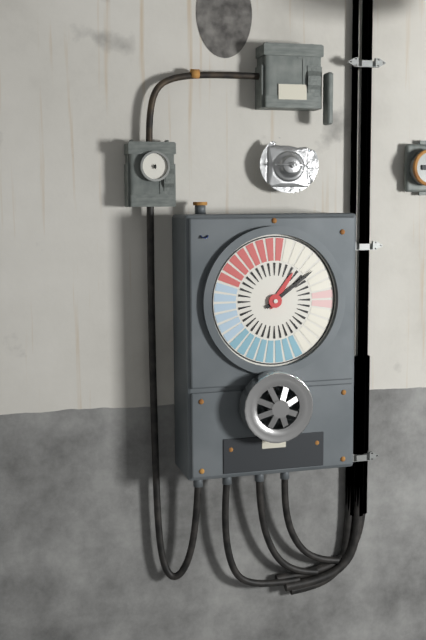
1:09
